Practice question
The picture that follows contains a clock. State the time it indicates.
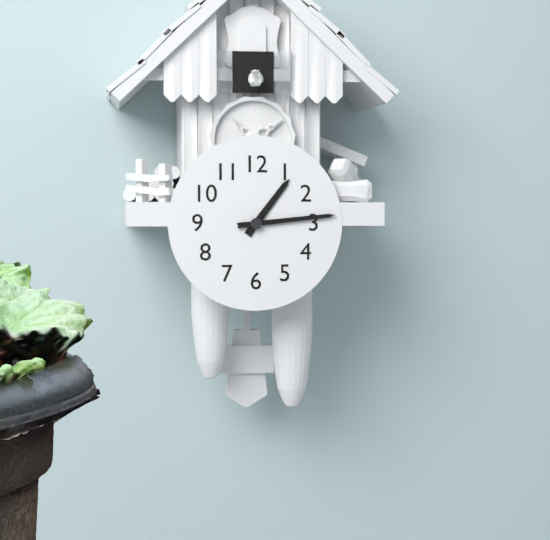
1:14
